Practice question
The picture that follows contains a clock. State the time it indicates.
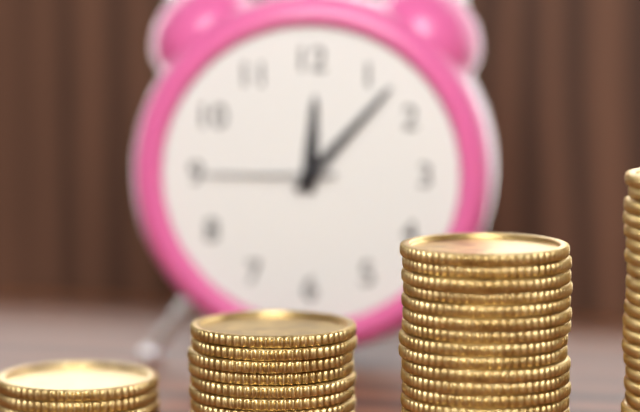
12:07:45
